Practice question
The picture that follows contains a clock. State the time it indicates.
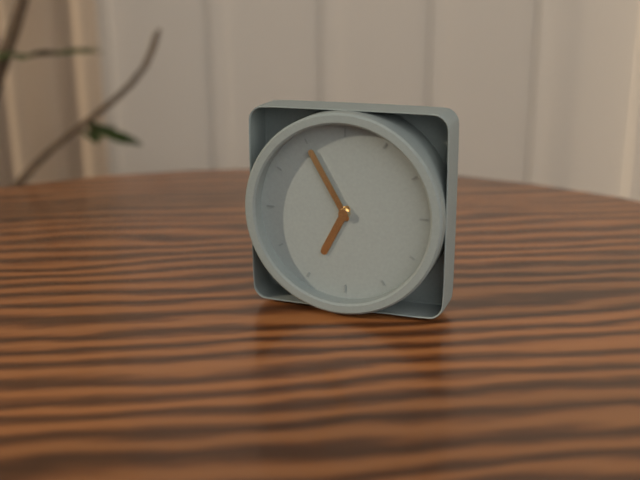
6:55
